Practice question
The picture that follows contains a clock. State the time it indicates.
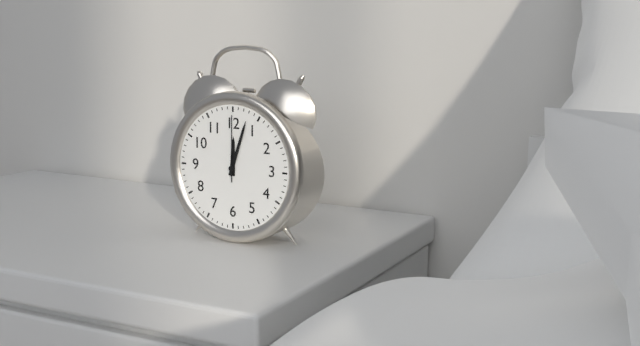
12:03:00
